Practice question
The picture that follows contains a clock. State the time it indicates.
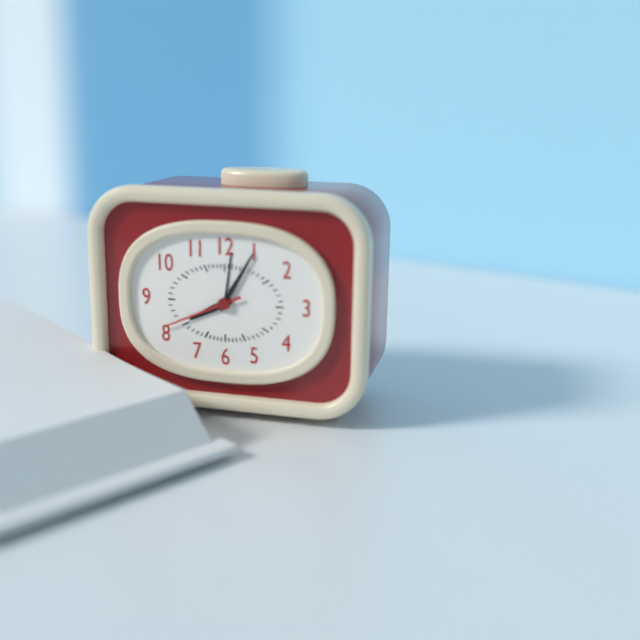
8:05:41
